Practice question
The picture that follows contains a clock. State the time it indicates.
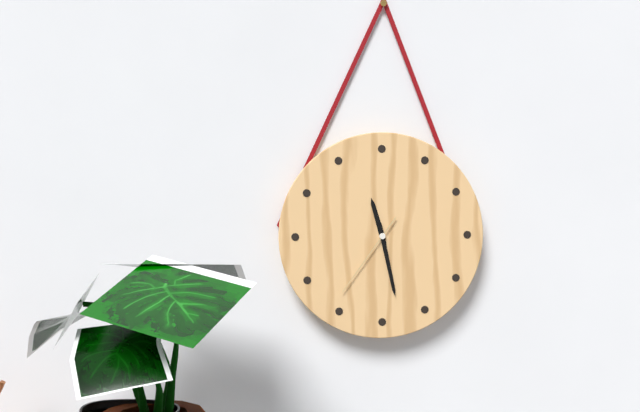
11:28:36
